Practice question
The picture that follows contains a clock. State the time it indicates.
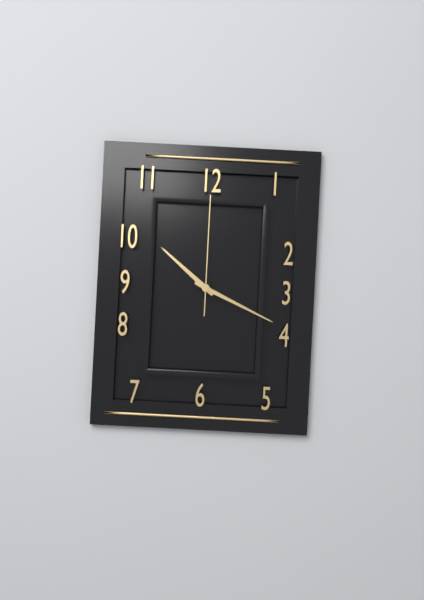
10:19:00
